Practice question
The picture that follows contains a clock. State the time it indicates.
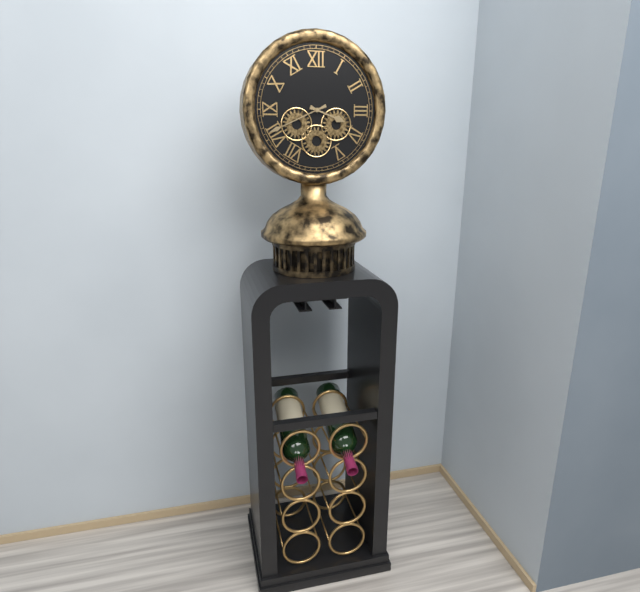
3:41
